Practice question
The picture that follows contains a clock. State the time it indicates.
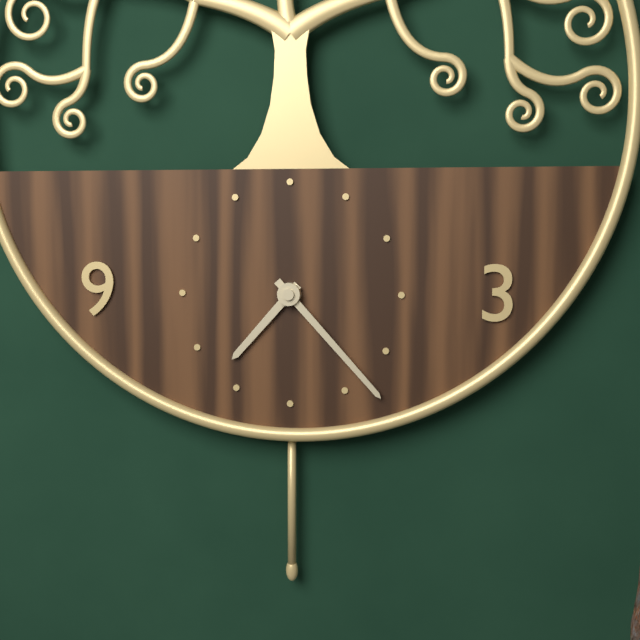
7:23
